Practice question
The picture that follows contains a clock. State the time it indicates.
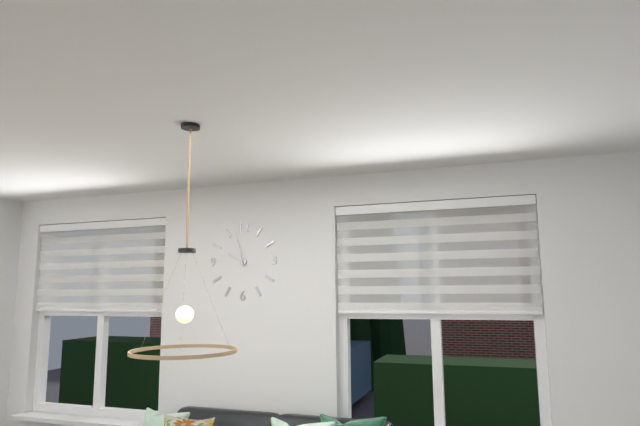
9:57
